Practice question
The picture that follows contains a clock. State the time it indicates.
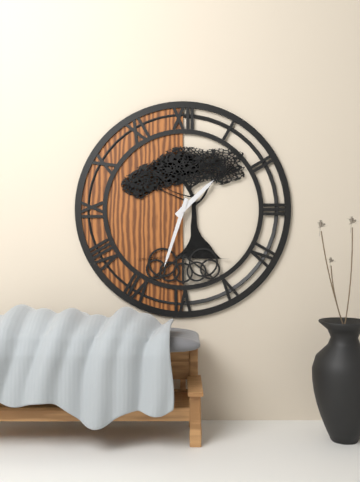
1:33
